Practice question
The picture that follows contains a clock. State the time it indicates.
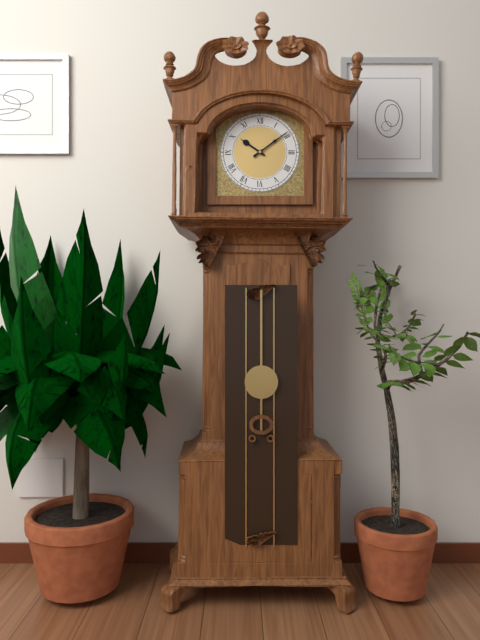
10:09
